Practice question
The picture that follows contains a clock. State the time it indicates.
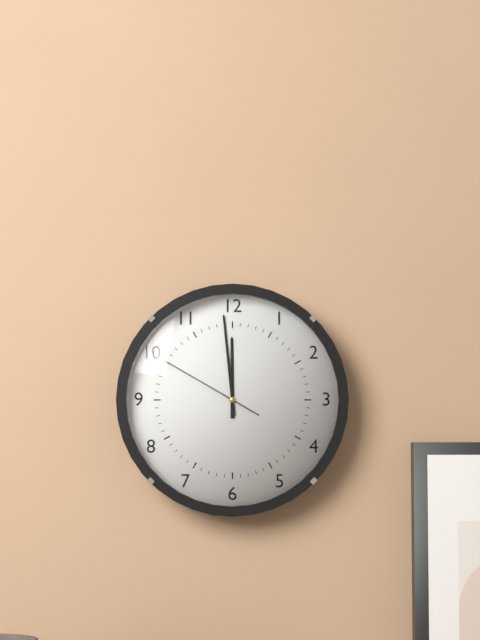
11:59:50
